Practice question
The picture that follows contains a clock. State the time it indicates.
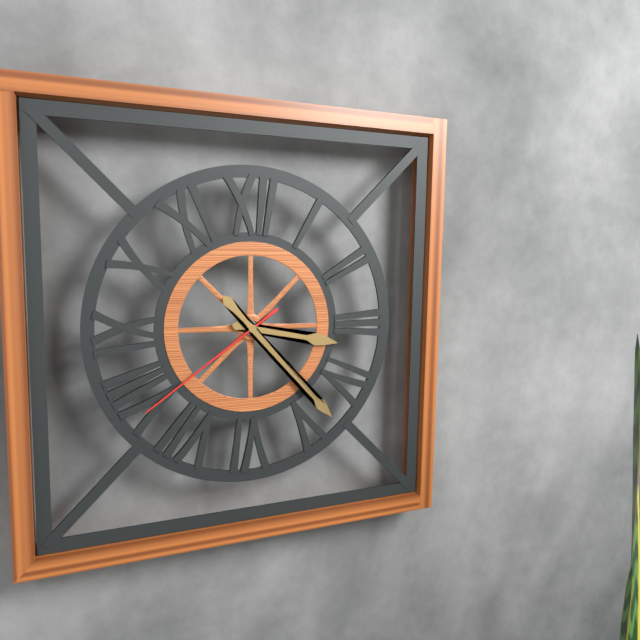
3:23:39
